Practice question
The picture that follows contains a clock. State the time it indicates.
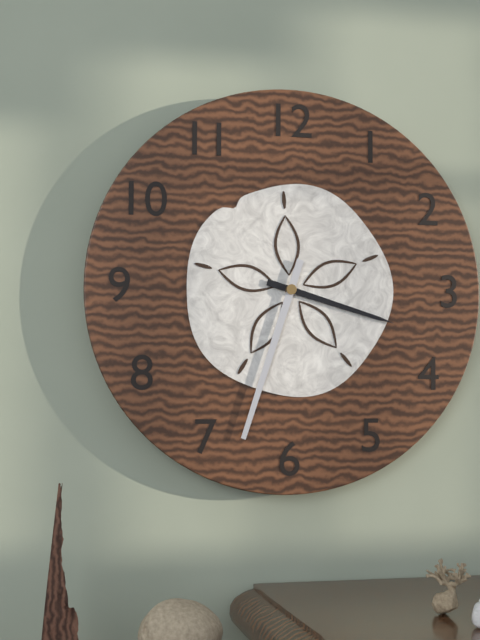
3:33
